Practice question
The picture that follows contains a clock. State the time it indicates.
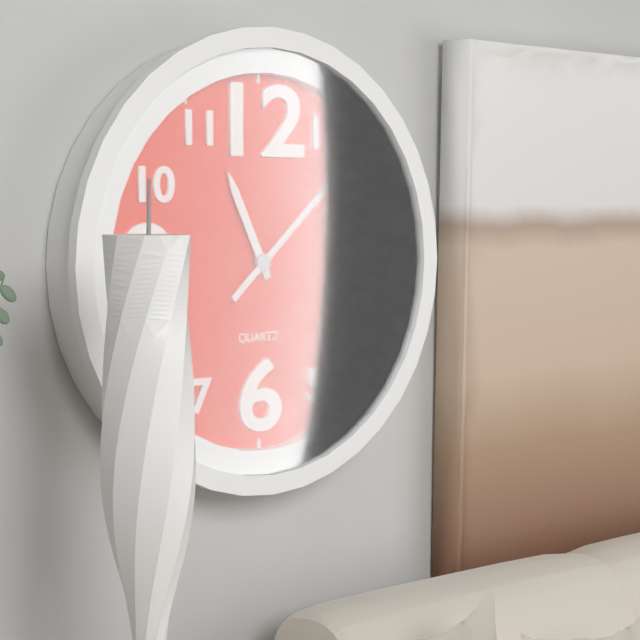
11:08
